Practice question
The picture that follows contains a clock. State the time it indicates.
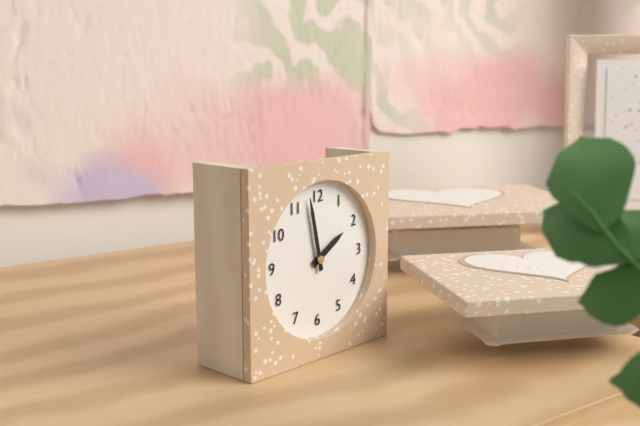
1:58
